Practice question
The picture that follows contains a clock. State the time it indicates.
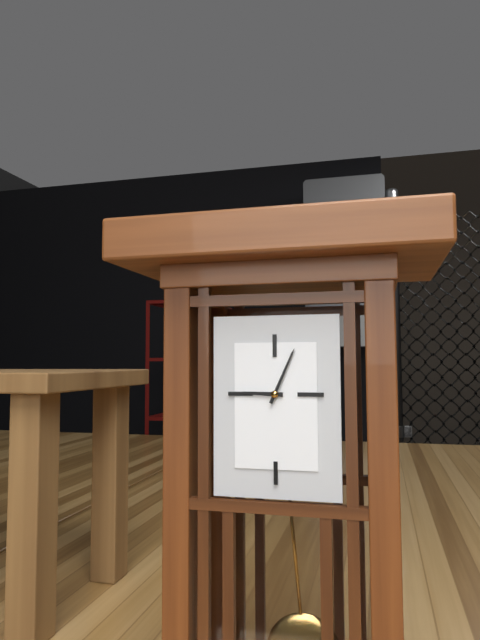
9:04
